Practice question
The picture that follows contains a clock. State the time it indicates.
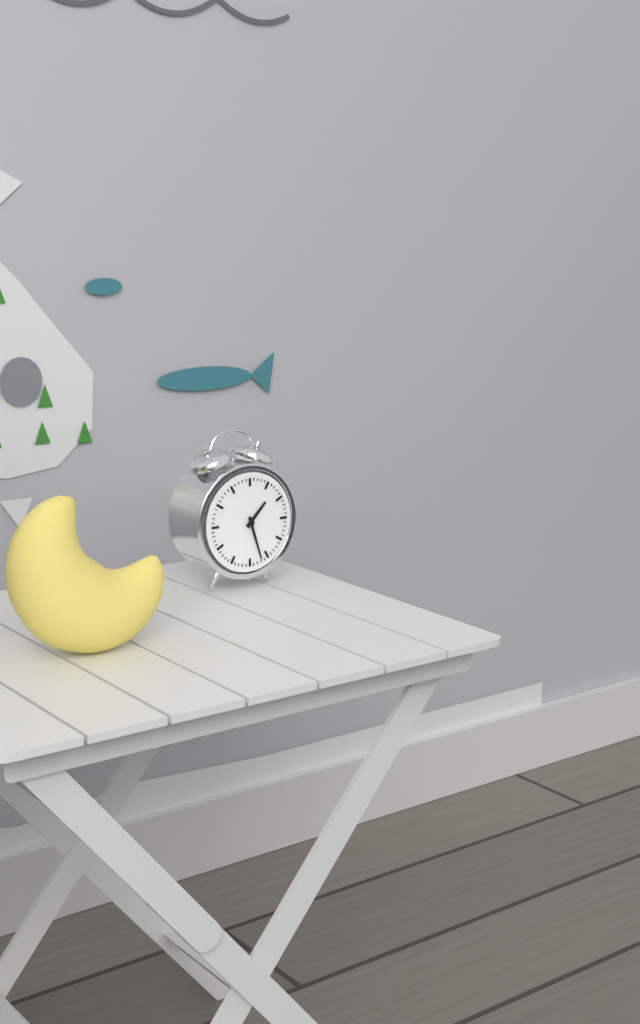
1:27
